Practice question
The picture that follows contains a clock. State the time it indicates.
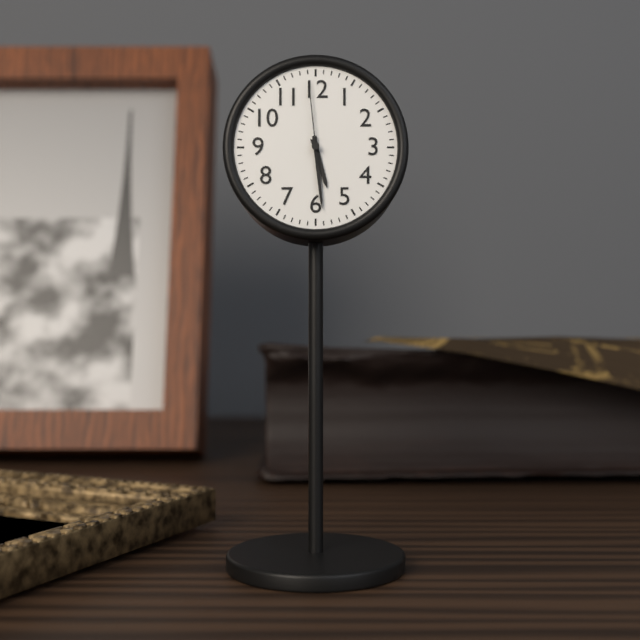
5:29:59
